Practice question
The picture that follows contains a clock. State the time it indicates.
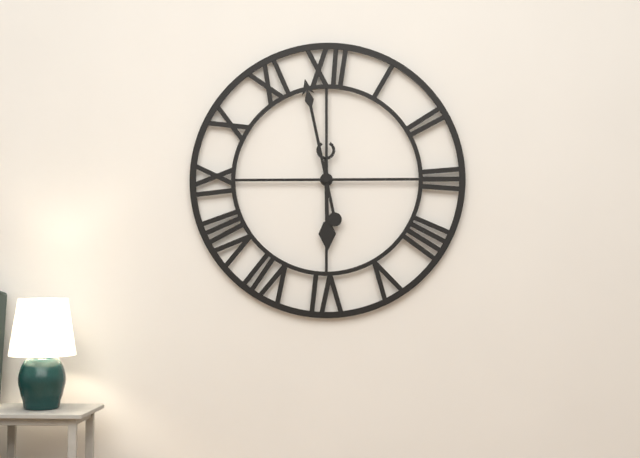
5:58
